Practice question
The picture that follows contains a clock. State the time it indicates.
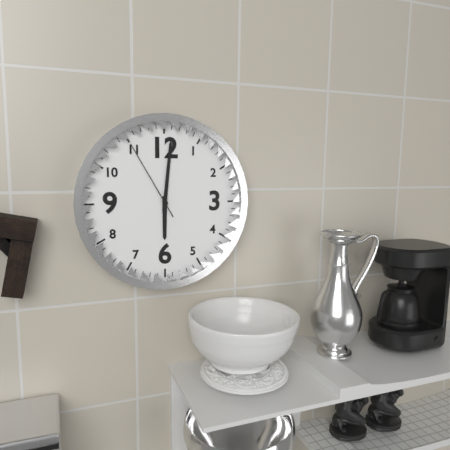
6:01:55
